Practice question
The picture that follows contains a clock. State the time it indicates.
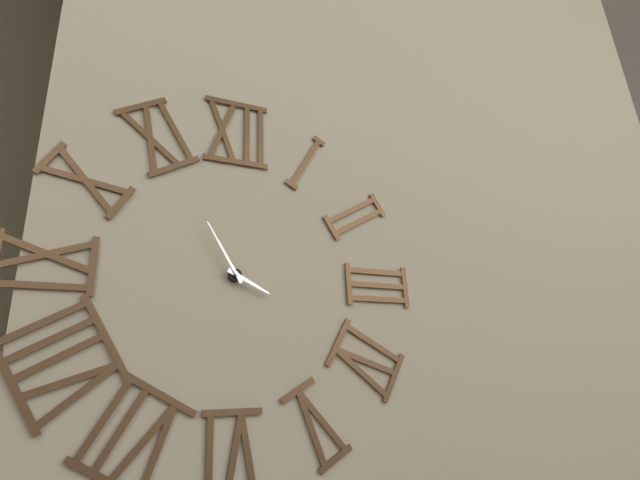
3:55
